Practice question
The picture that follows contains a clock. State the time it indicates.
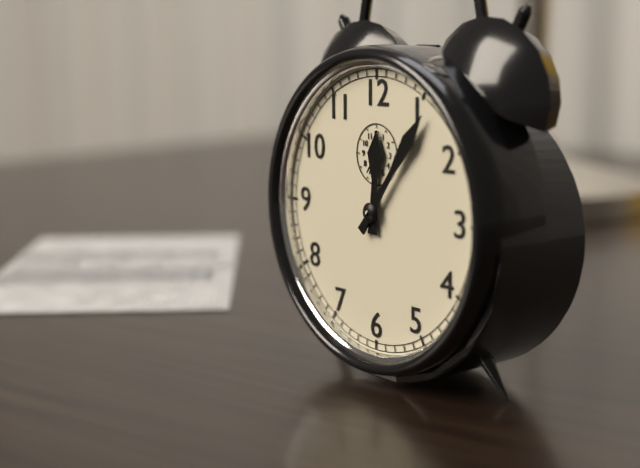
12:06
